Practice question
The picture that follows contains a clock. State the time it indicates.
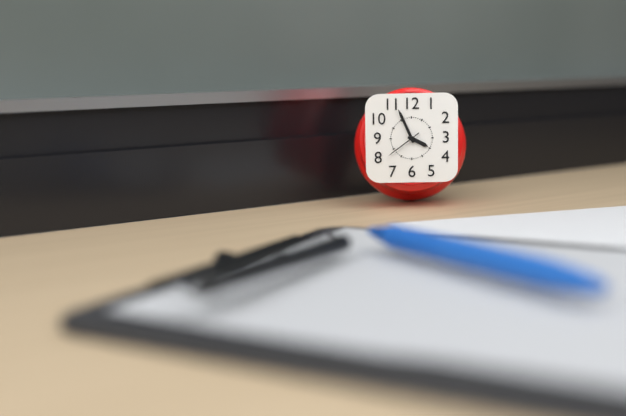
3:56
